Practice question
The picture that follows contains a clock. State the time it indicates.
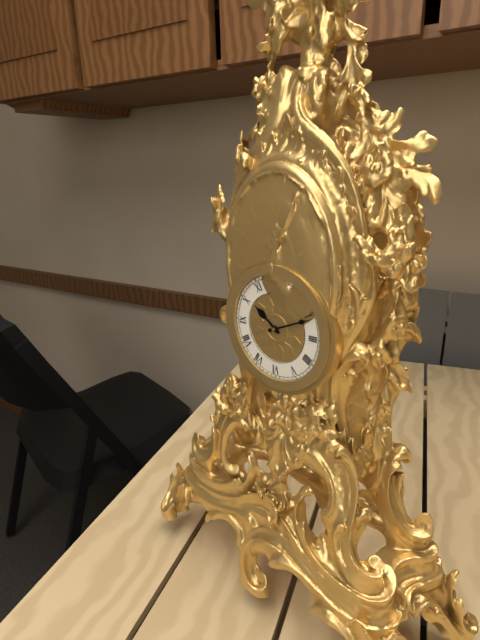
10:11
